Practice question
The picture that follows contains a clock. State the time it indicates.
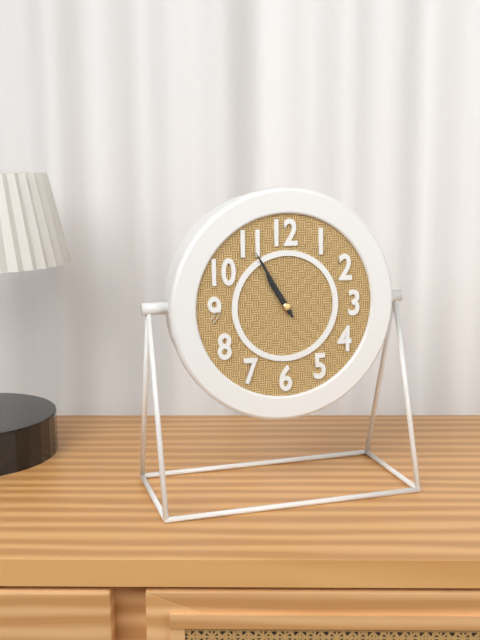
10:55
